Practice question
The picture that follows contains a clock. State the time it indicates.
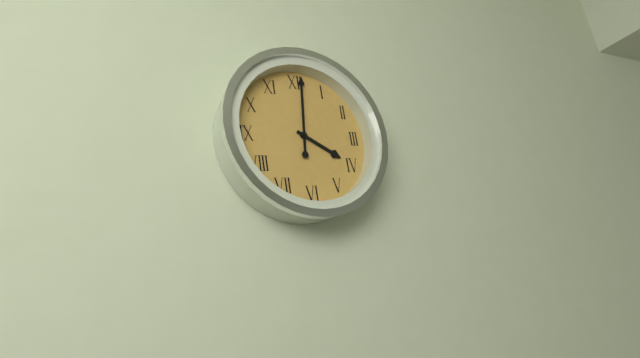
4:01
